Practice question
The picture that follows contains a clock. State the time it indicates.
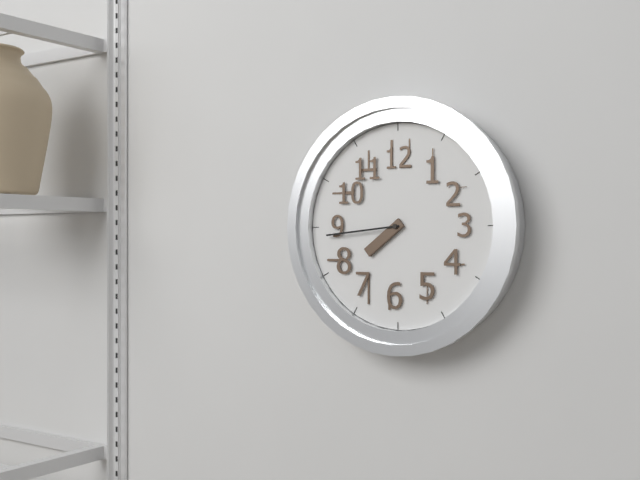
7:44
